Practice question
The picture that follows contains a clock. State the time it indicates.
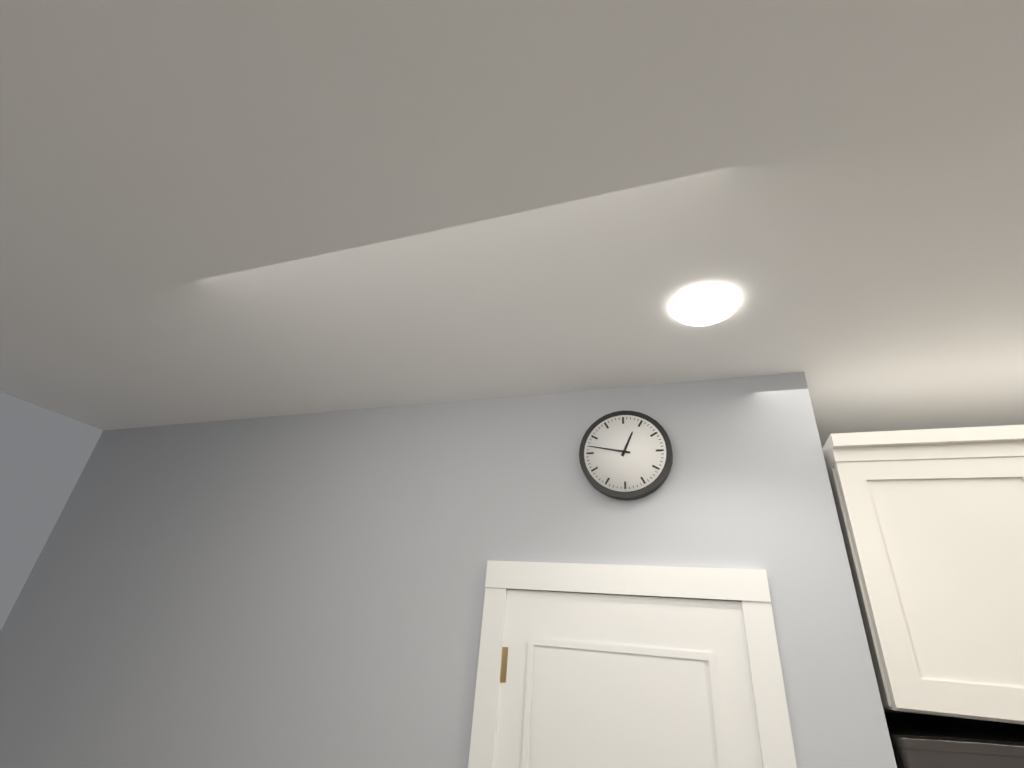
12:47
